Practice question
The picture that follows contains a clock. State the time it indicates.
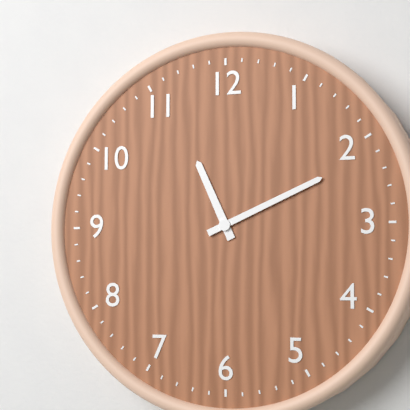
11:11
